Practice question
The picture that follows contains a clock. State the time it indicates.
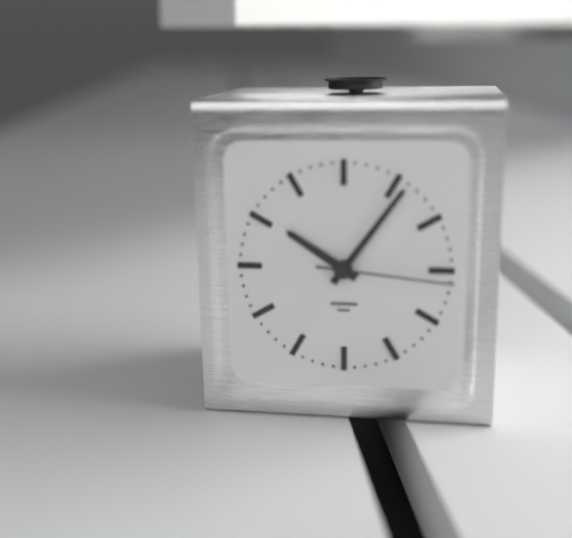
10:06:16
